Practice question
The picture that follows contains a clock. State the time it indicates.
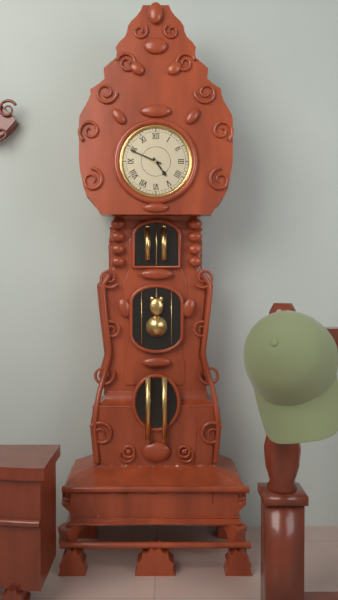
4:49
